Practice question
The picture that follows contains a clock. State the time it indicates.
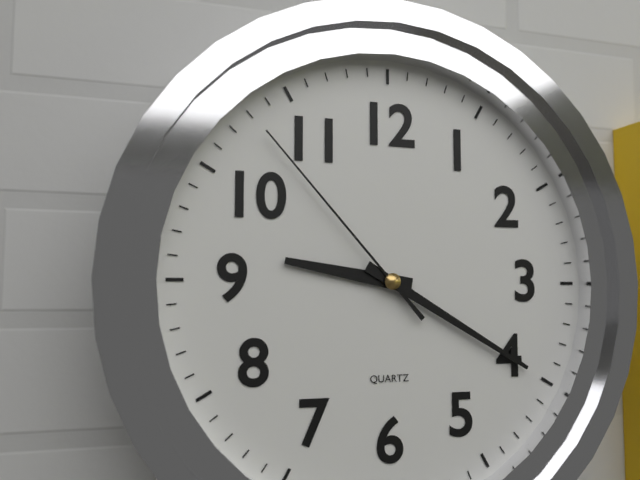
9:20:53
